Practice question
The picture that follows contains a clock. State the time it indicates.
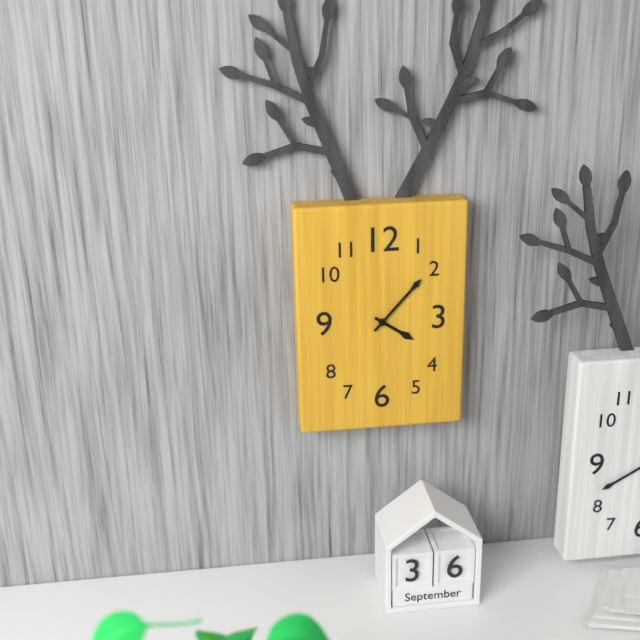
4:07
